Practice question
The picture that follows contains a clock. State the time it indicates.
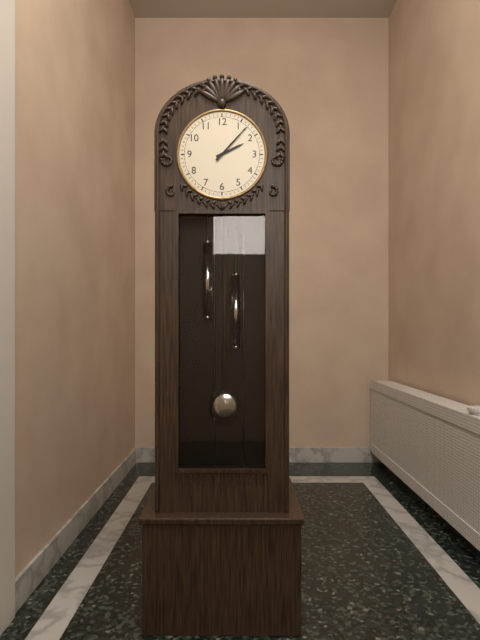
2:07
